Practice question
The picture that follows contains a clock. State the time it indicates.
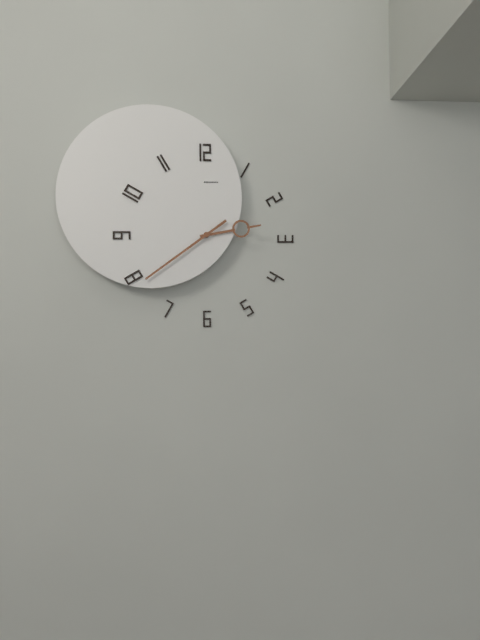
2:39
